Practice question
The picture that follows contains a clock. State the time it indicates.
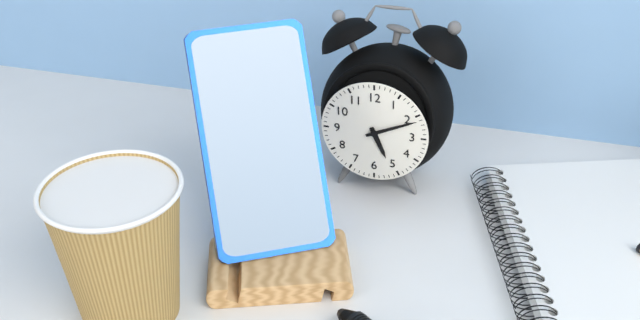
5:11
